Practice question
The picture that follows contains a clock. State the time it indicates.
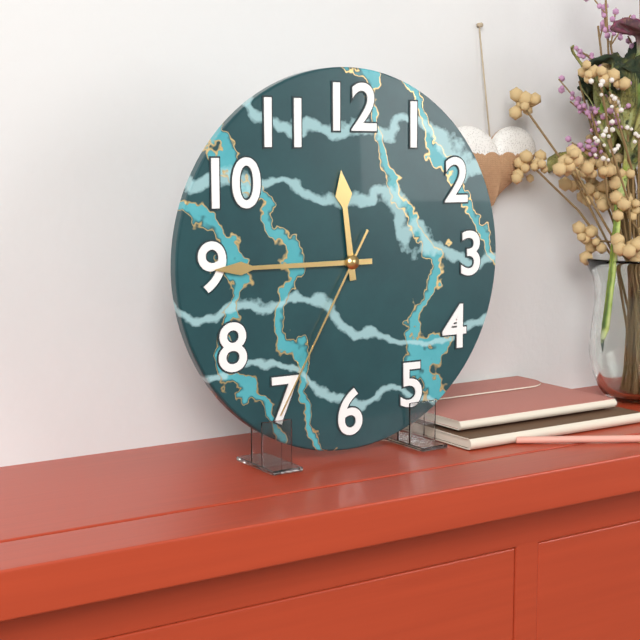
11:45:35
